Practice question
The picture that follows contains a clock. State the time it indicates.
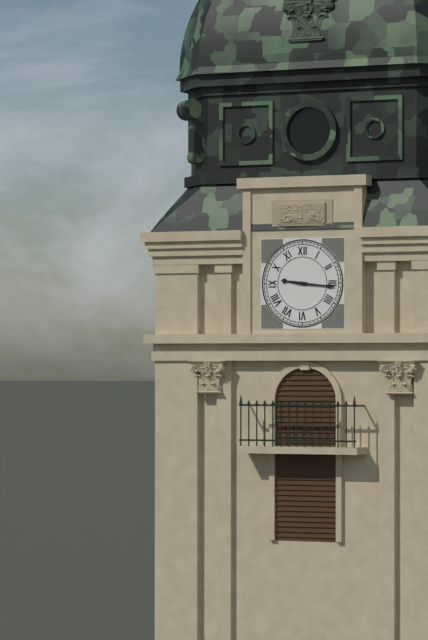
9:16
